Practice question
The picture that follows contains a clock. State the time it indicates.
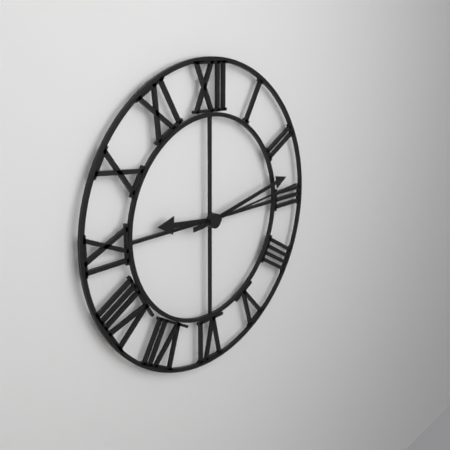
9:13:14
